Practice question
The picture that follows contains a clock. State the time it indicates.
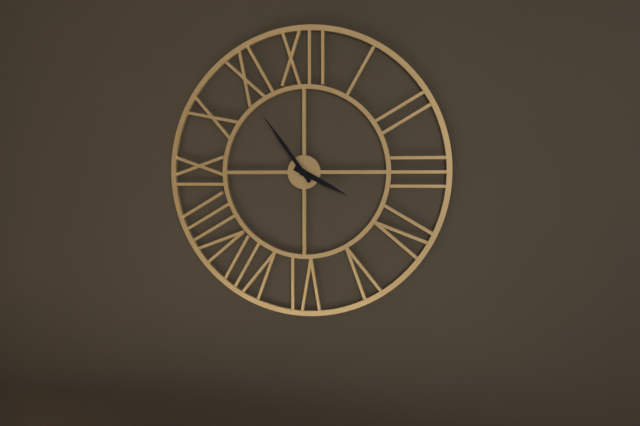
3:54
